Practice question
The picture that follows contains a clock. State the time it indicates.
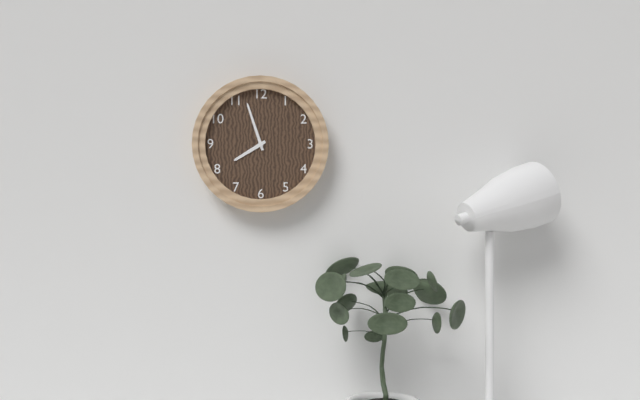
7:57
